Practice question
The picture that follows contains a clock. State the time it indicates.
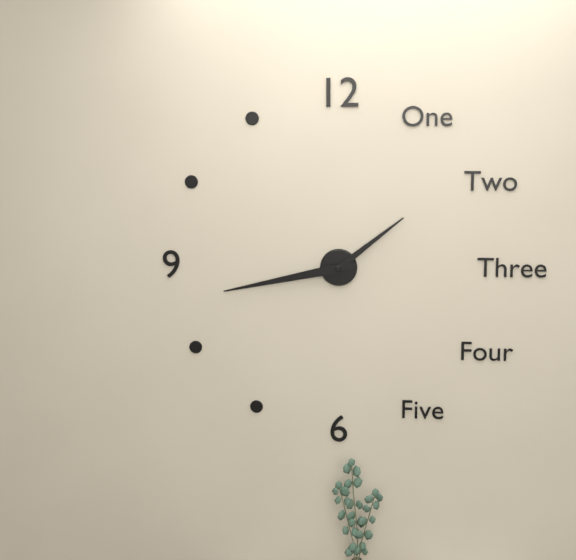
1:43
